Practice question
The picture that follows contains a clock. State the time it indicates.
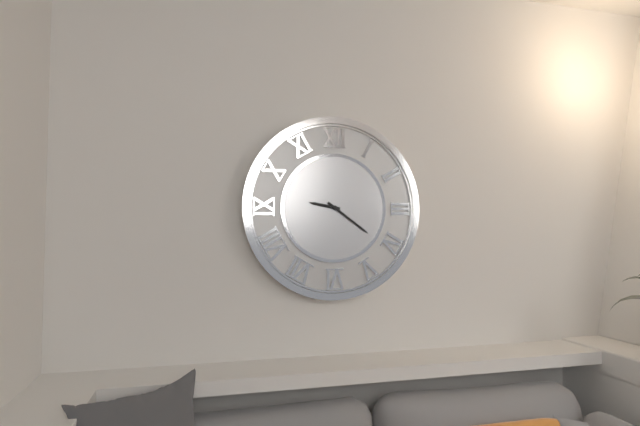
9:21
